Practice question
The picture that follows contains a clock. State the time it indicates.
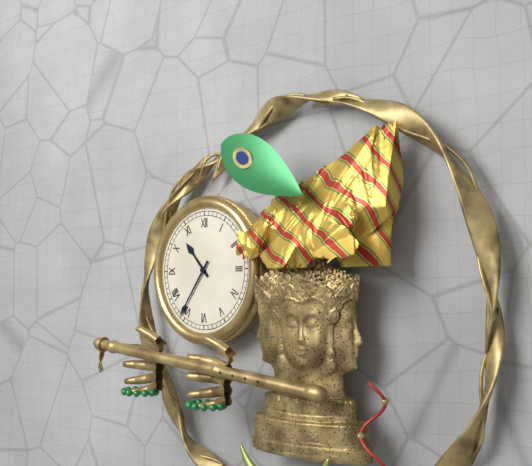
10:36
